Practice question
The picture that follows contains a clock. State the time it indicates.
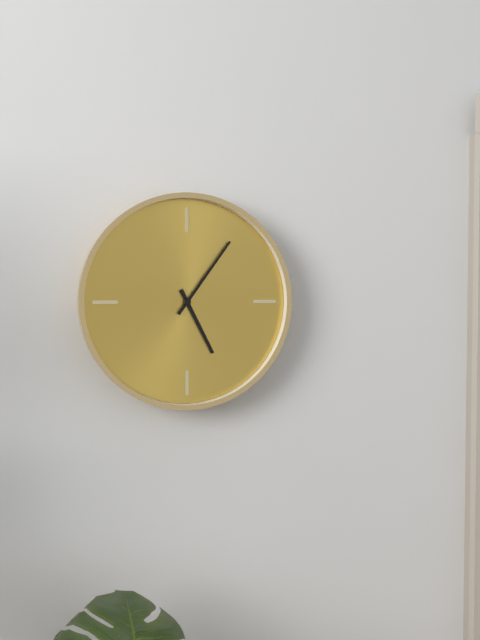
5:06
